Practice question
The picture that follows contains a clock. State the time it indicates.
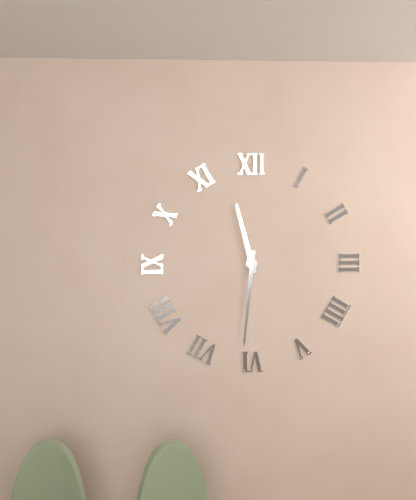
11:31
